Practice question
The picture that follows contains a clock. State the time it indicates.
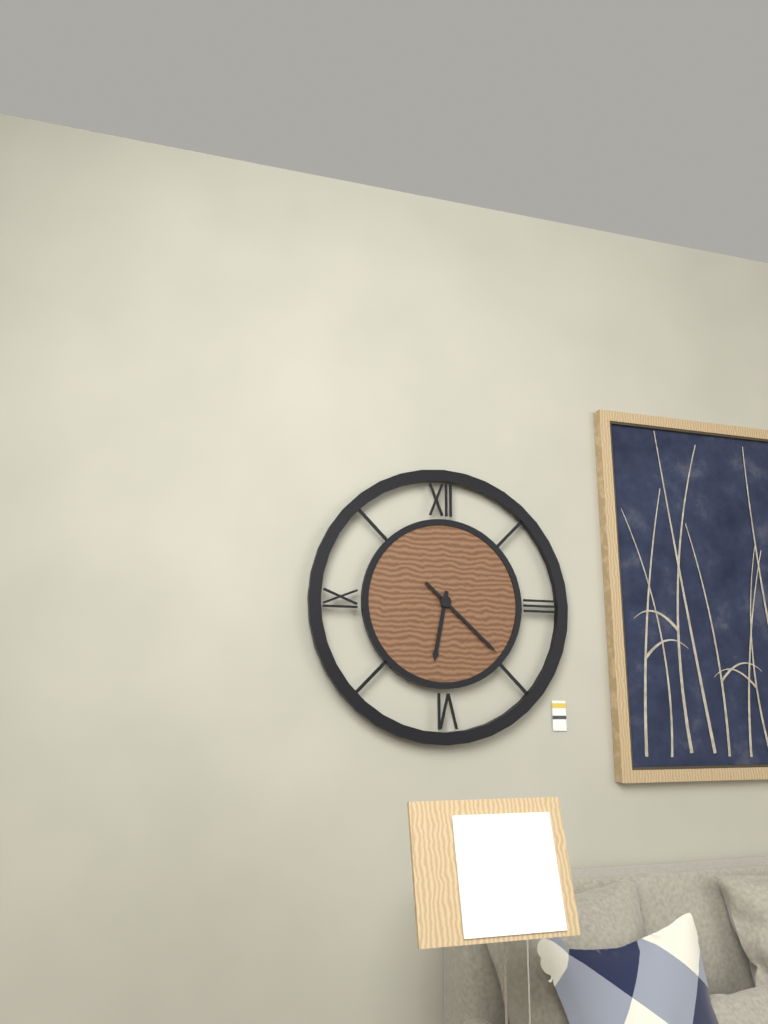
6:22
